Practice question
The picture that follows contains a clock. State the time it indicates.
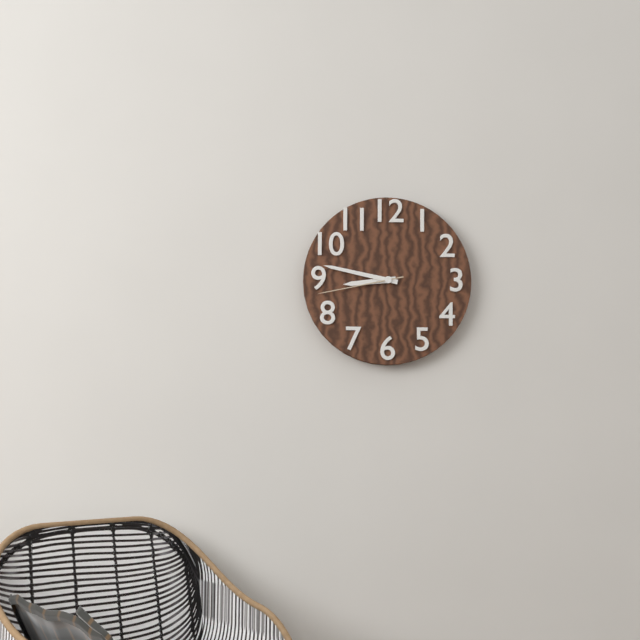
8:47:43
